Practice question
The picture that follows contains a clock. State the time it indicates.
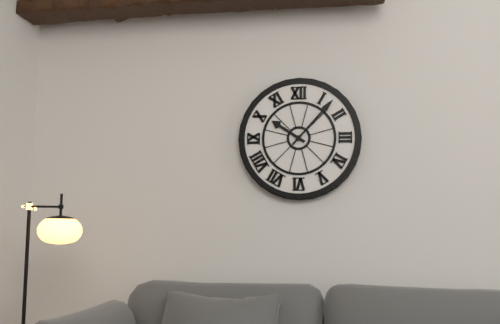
10:07
